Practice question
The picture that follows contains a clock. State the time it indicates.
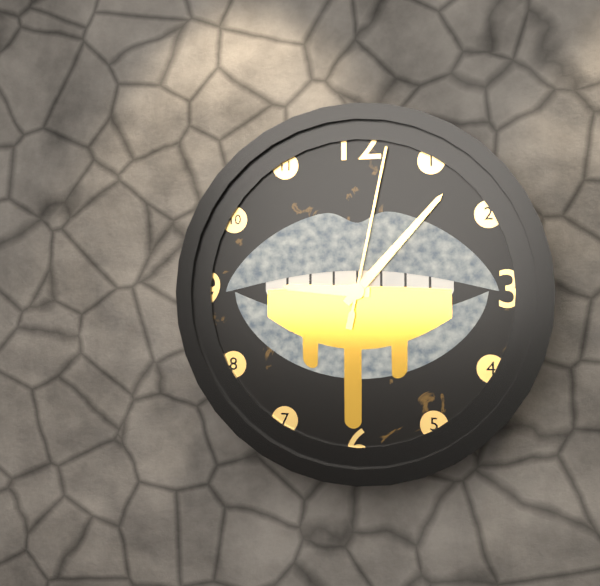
9:07:02
